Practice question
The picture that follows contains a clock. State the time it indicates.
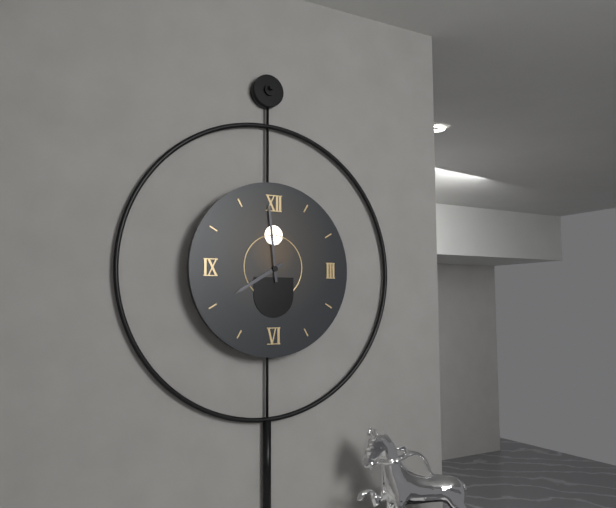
7:59
